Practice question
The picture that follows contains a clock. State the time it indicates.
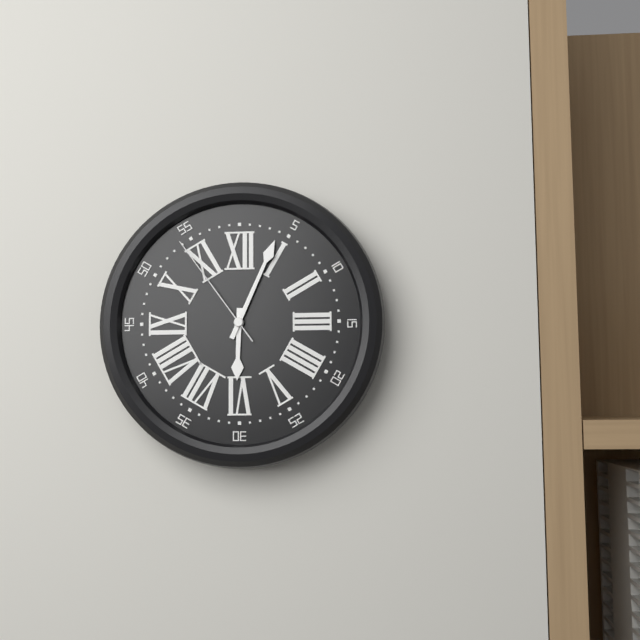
6:04:54
